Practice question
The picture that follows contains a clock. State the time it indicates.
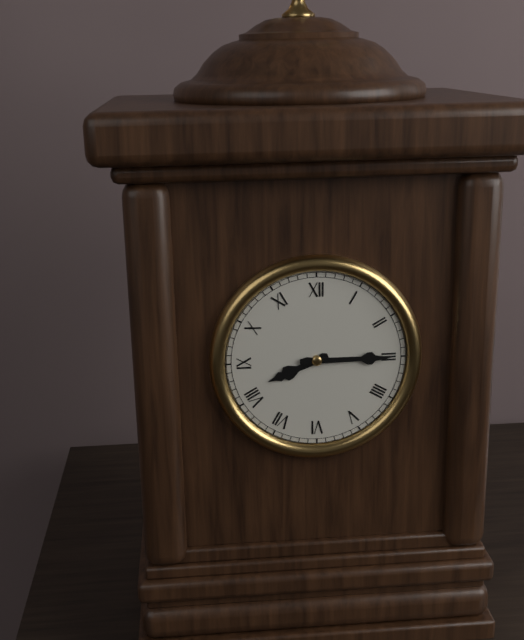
8:15
